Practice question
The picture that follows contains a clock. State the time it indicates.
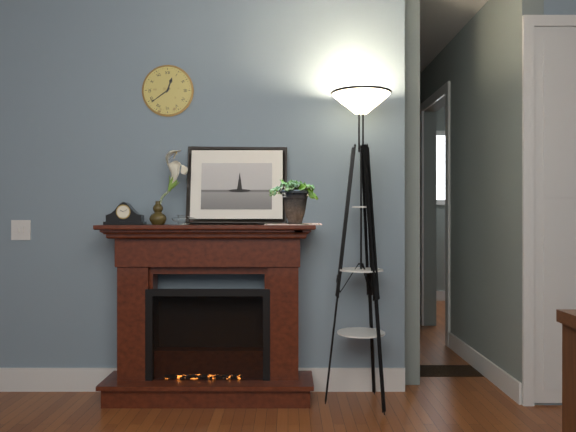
12:39
